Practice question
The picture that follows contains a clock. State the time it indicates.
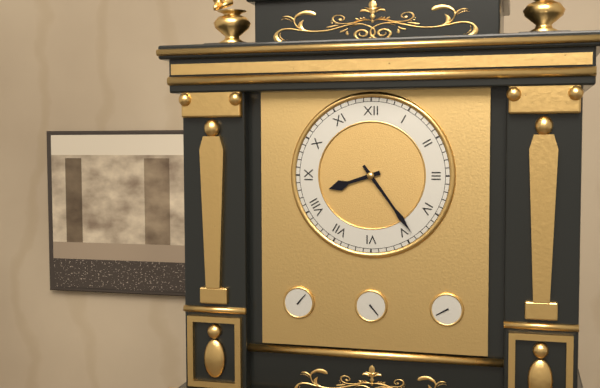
8:24
